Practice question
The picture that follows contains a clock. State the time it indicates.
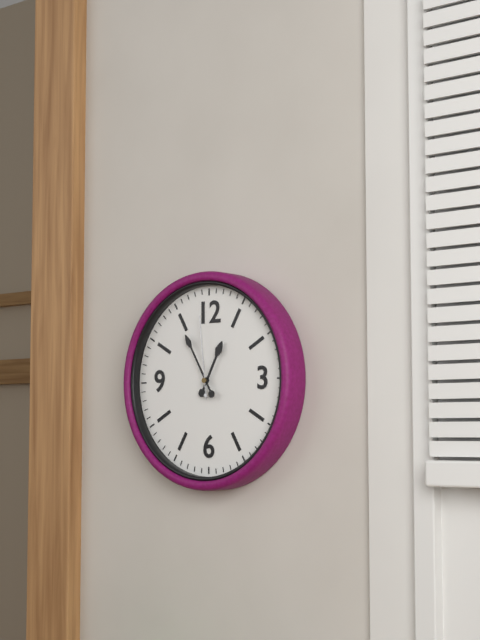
12:55:59
